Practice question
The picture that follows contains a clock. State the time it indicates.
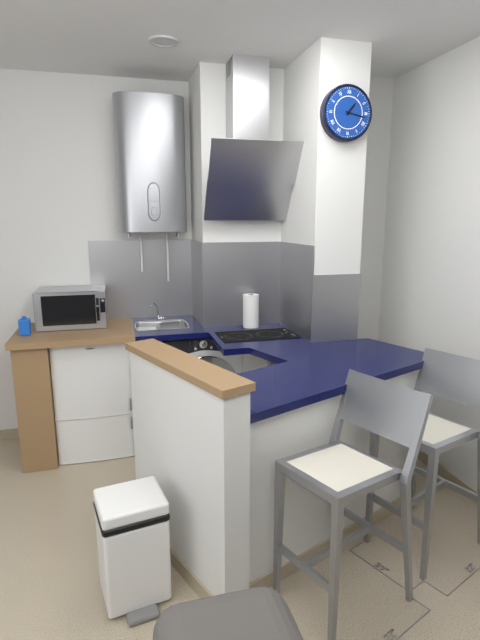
1:17
